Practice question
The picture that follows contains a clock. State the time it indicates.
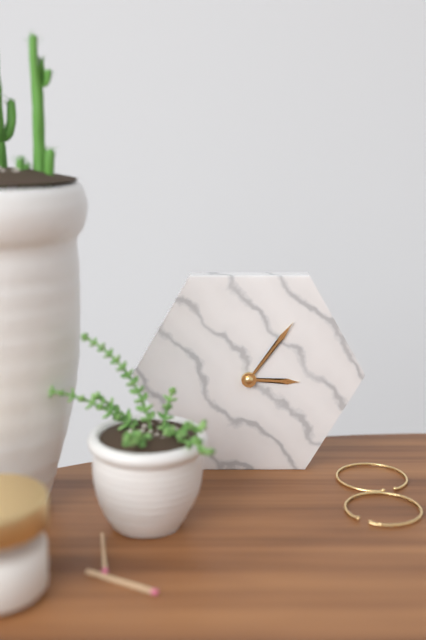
3:06
